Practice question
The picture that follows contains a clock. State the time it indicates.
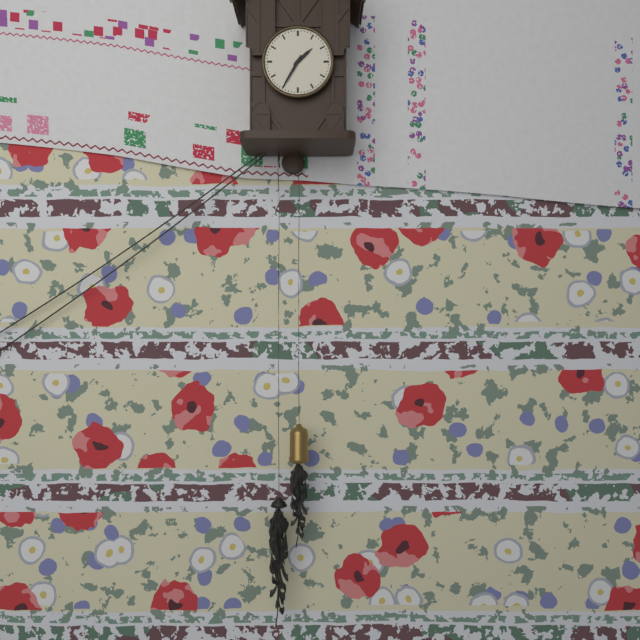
1:35
